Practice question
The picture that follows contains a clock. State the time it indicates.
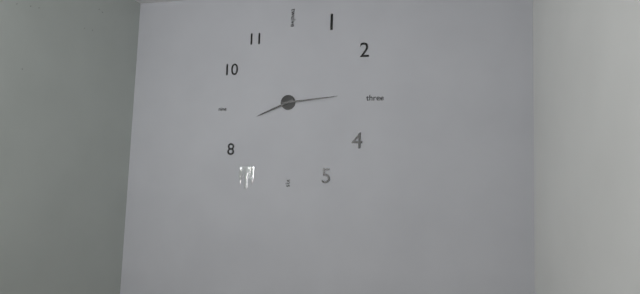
8:14
